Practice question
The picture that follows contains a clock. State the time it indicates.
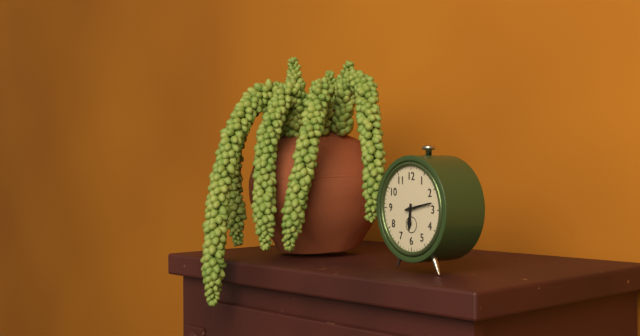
6:13
